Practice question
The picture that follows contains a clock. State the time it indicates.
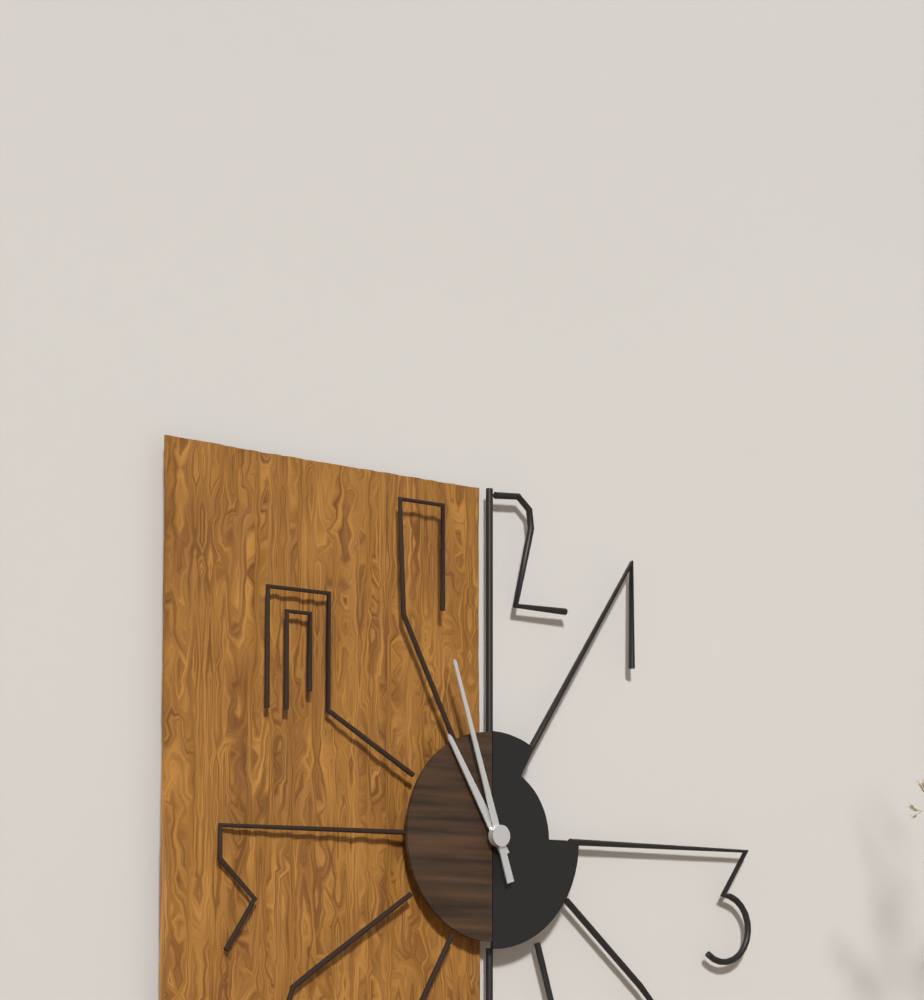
10:57
